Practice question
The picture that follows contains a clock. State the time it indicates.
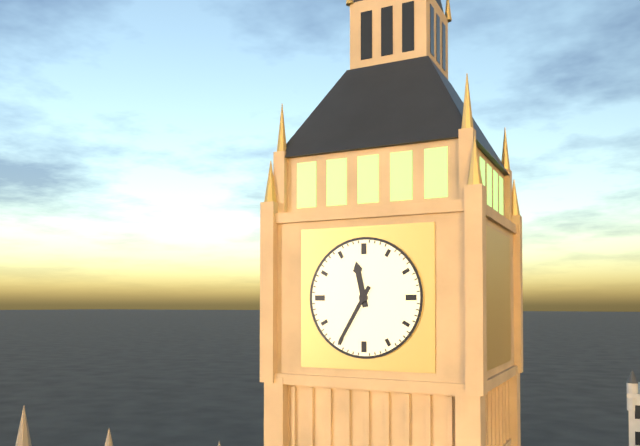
11:35
